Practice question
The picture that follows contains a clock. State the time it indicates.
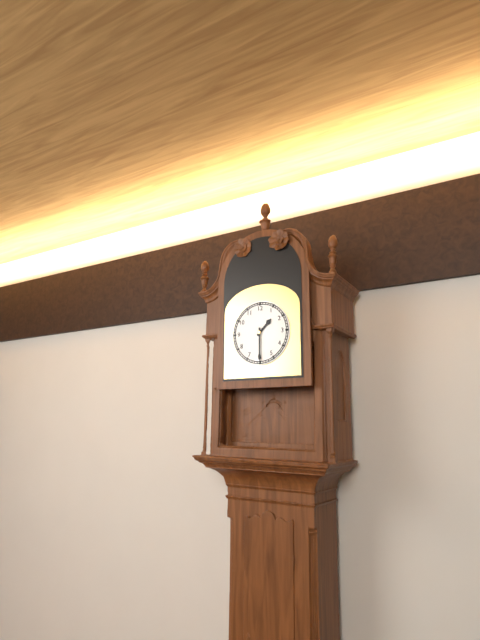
1:30
